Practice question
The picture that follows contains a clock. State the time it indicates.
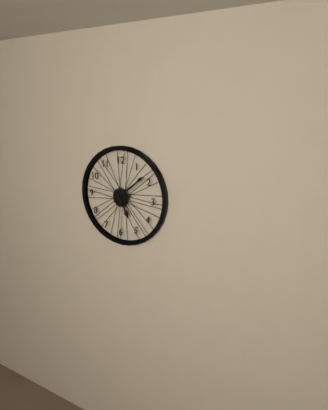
5:08
